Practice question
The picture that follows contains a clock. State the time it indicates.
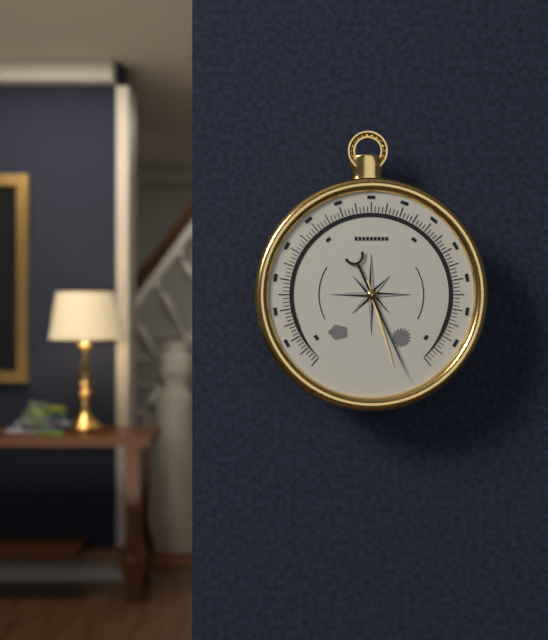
5:26
